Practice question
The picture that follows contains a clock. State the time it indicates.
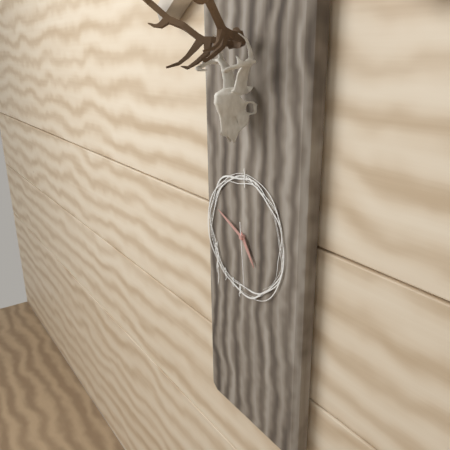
4:49:29
